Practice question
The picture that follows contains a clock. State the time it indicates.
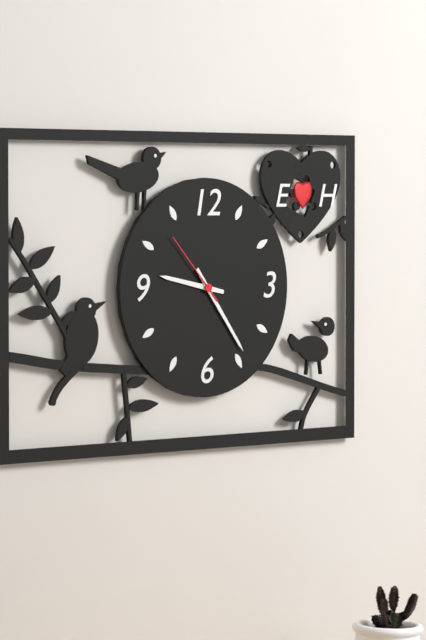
9:24:53
